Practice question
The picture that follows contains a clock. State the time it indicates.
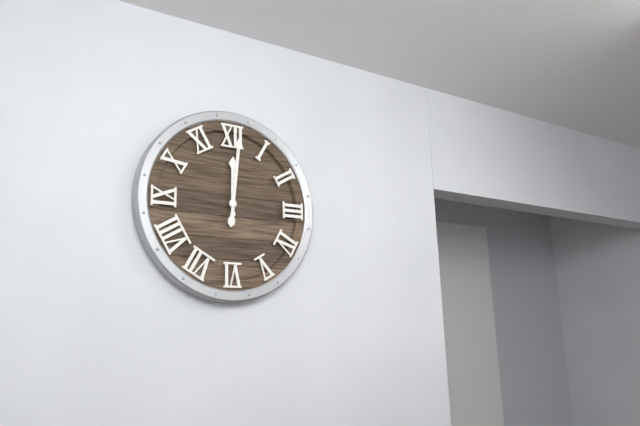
12:01
